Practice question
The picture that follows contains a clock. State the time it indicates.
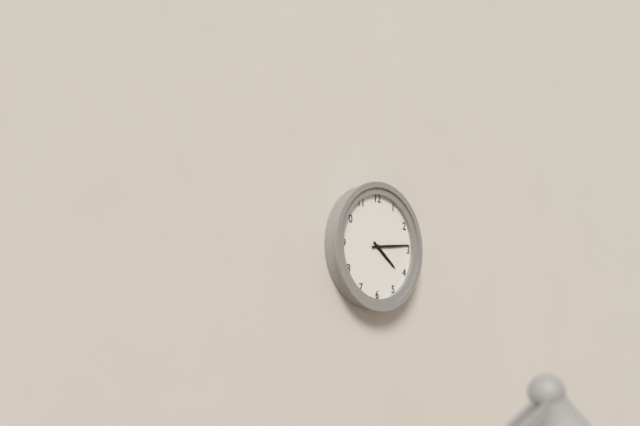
4:14
